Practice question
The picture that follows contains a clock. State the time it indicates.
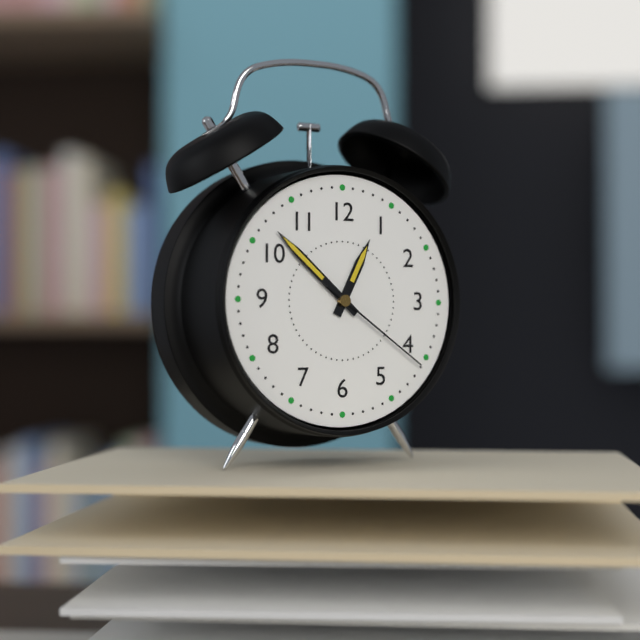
12:52:21
